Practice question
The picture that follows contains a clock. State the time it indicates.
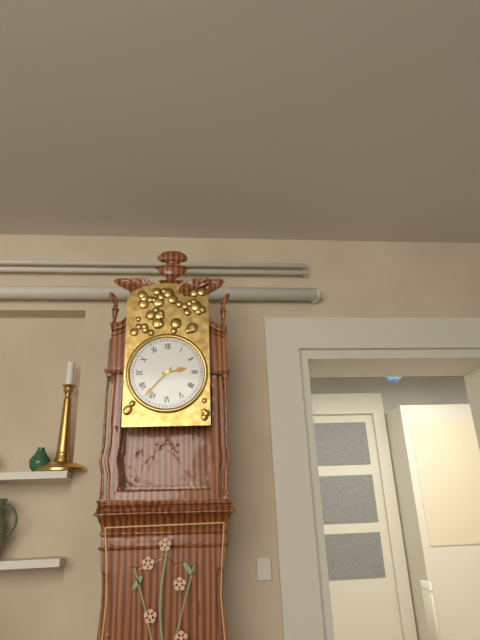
2:37
